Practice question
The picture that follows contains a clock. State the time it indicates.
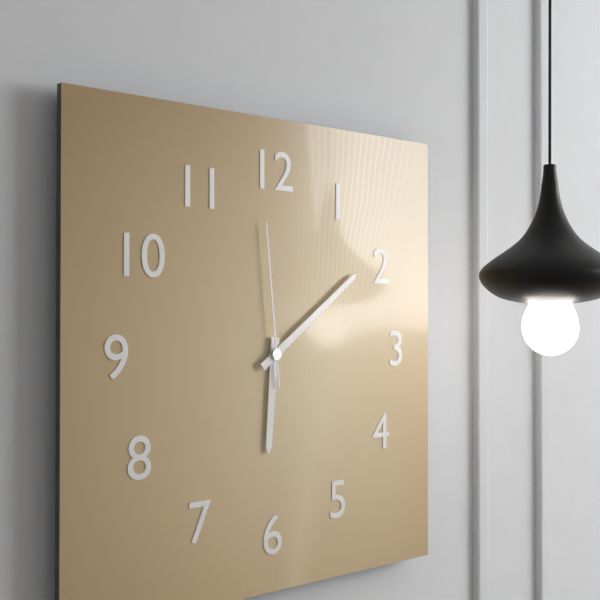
6:09:59
